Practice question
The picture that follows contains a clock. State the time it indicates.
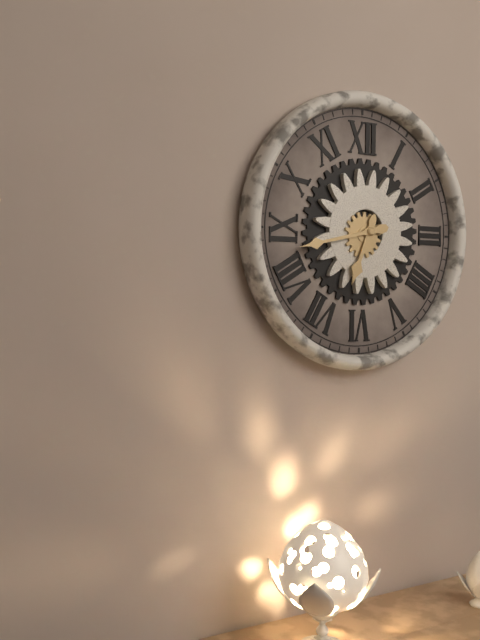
6:43
